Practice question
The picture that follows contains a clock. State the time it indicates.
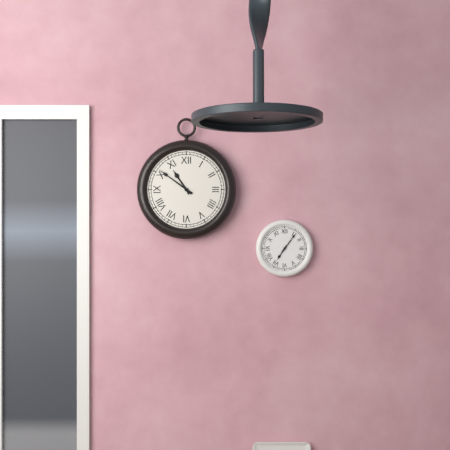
10:51
